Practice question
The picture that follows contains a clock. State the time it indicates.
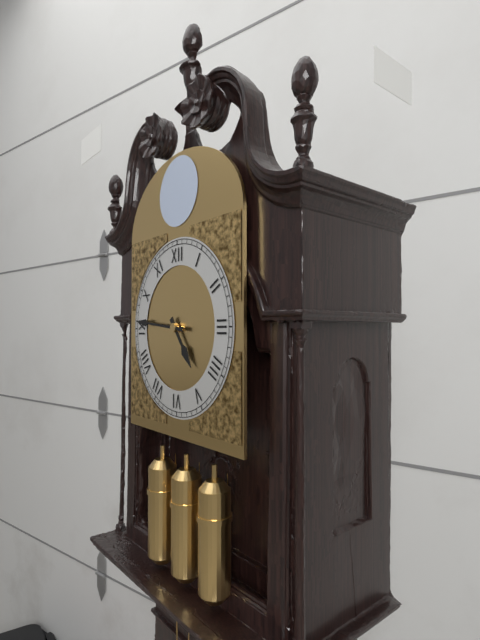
4:46
